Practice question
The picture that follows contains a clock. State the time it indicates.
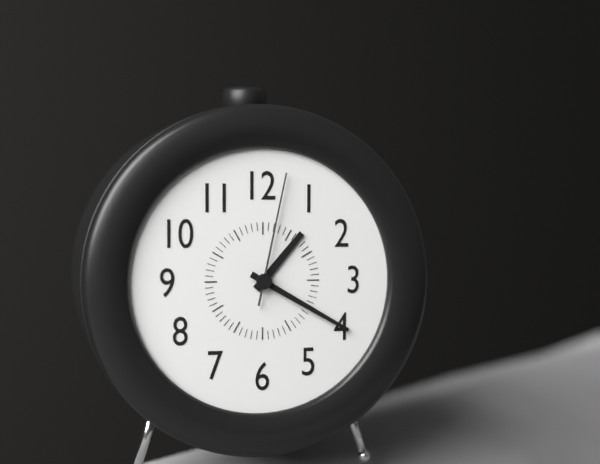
1:20:02
